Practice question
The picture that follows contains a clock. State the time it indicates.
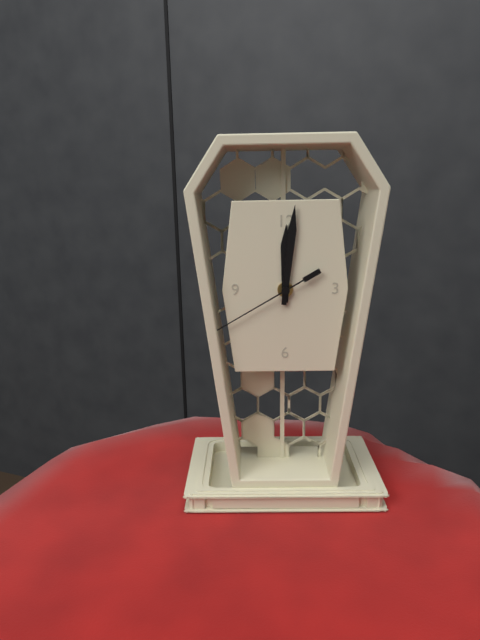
12:01:40
